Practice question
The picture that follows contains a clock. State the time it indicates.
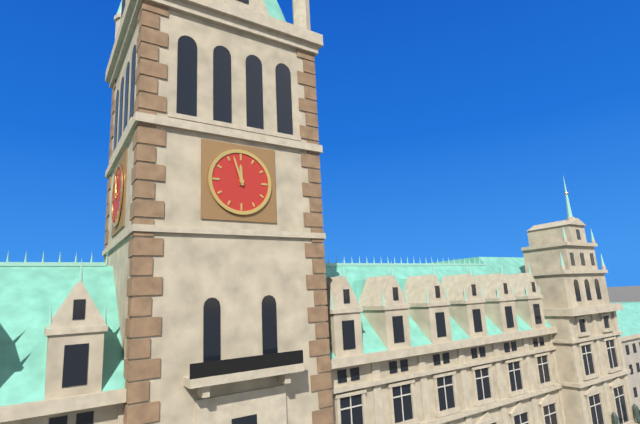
11:57
